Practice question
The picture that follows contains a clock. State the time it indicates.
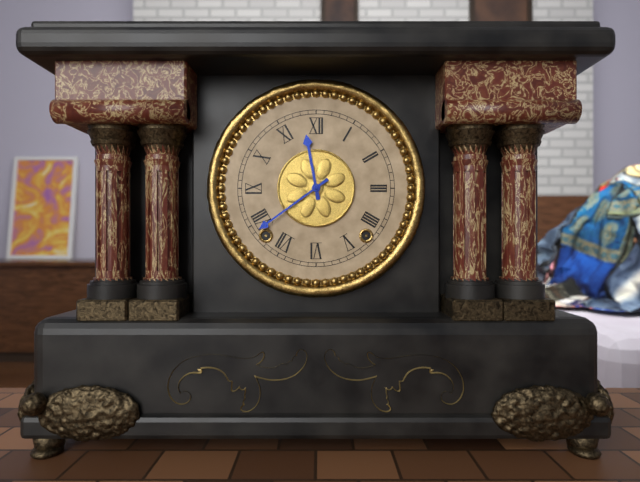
11:39
